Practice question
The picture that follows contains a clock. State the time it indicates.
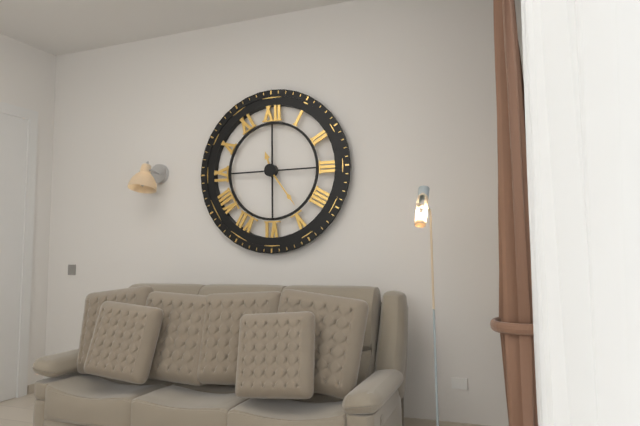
11:24
